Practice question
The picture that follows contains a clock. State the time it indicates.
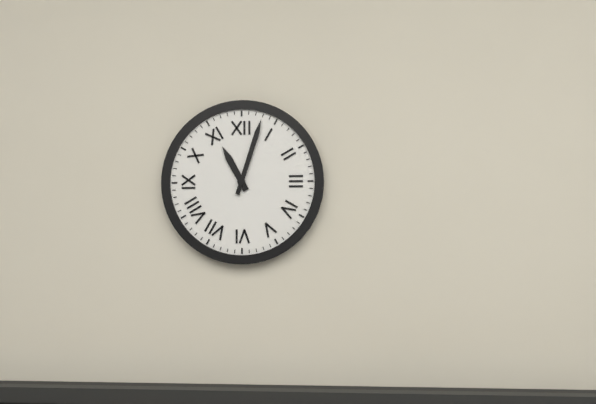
11:03
